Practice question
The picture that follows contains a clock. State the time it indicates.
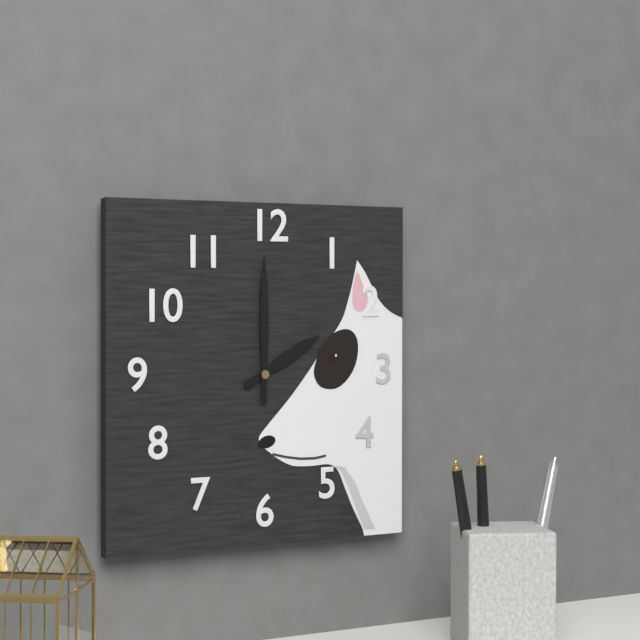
2:00
